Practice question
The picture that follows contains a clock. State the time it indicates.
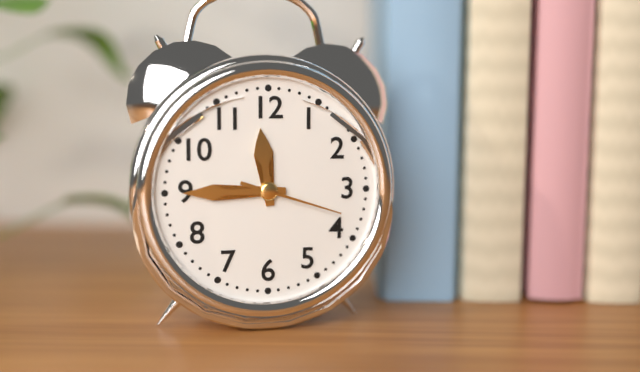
11:45:18
